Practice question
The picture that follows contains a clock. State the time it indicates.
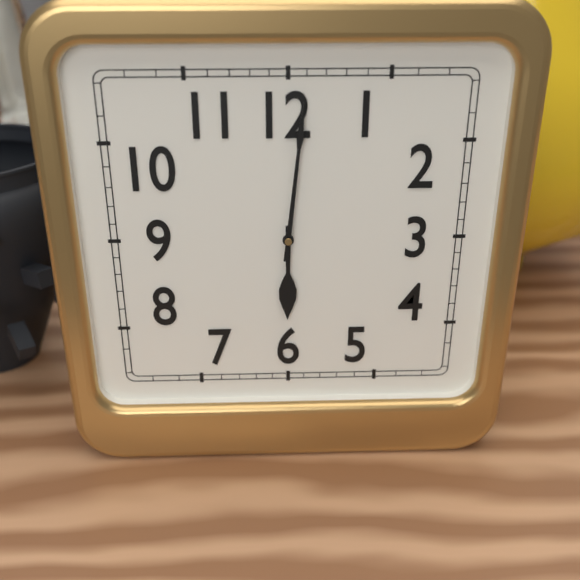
6:01
